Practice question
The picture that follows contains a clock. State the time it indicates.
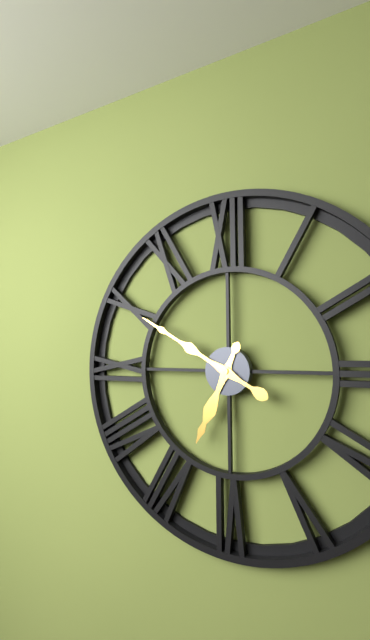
6:50
